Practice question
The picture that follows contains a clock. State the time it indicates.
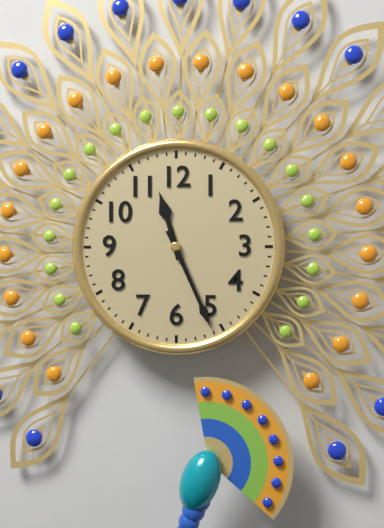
11:26
